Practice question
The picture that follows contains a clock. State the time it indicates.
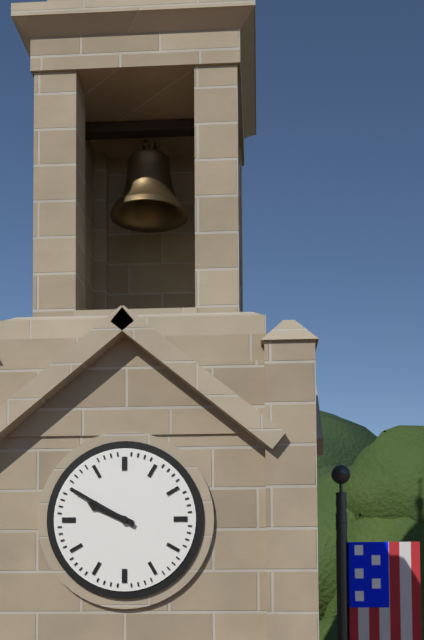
9:50
